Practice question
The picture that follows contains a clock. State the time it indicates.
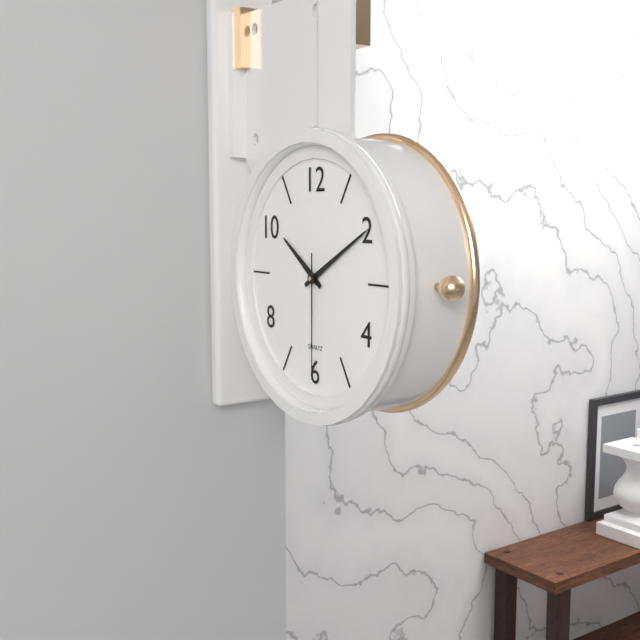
10:10:30
